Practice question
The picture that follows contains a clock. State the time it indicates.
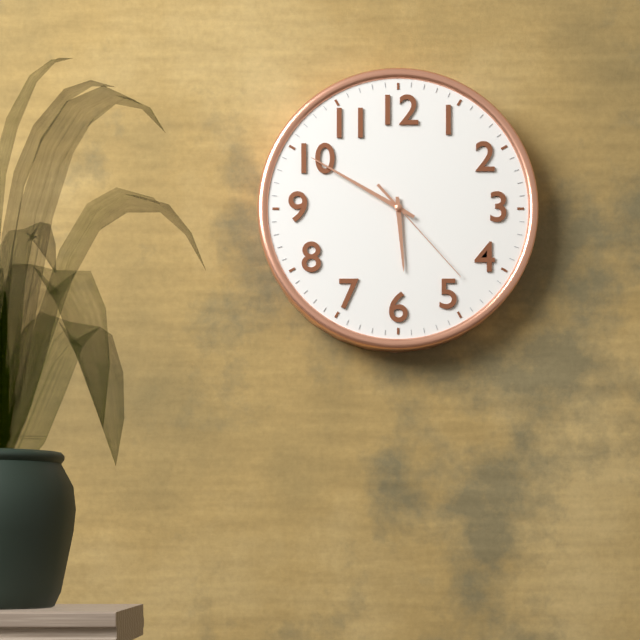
5:50:23
